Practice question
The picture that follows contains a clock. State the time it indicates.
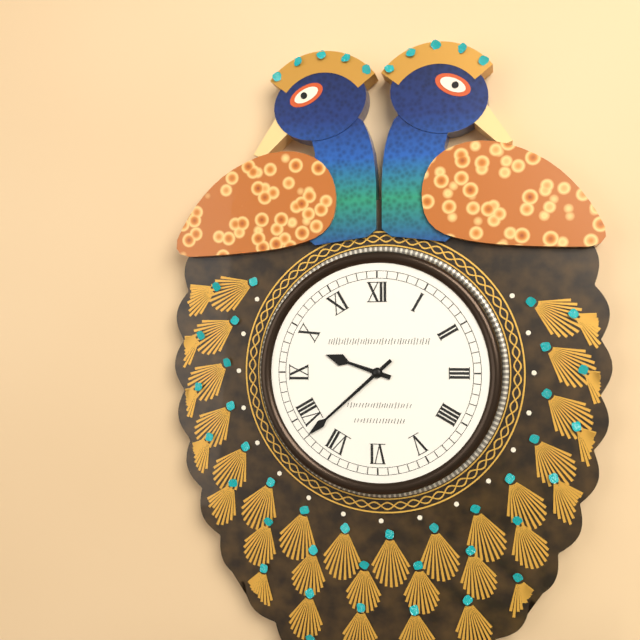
9:38
